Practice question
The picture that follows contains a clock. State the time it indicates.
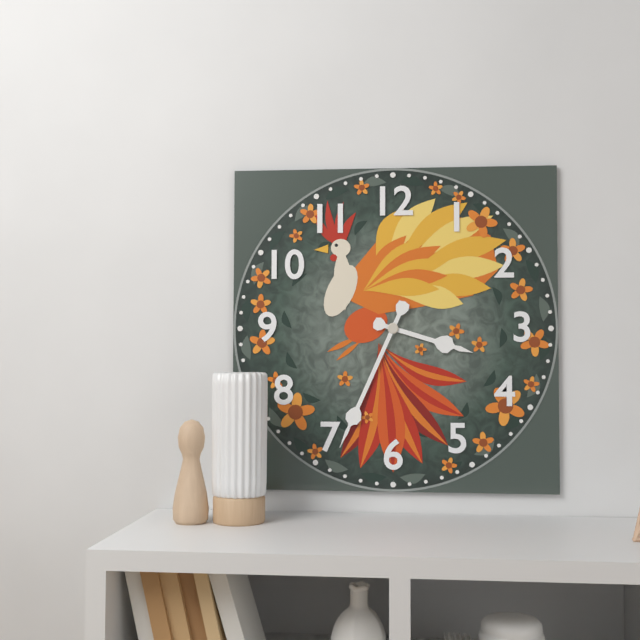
3:34
